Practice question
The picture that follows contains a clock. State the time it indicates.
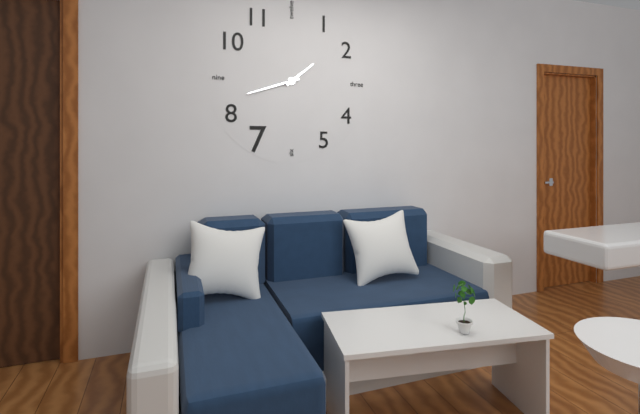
1:42
